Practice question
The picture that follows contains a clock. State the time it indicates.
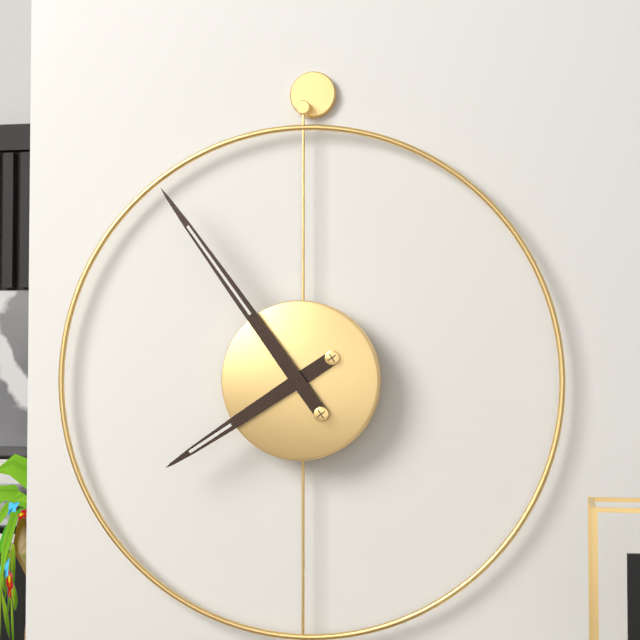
7:54
